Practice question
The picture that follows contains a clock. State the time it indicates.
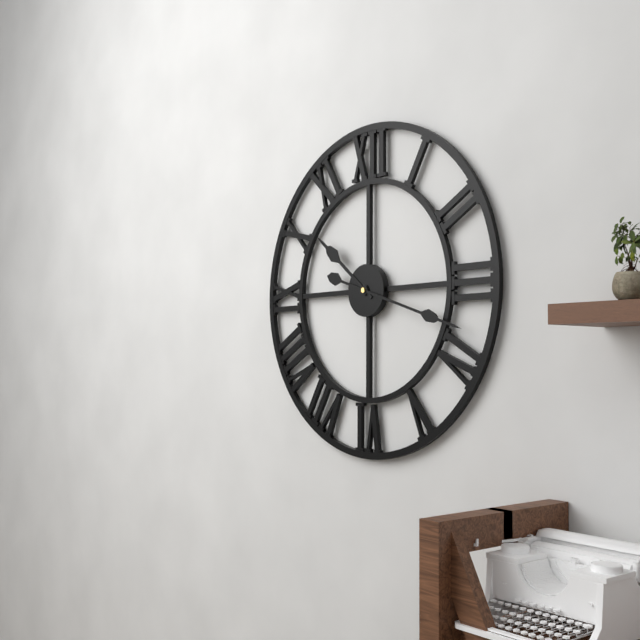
10:18
